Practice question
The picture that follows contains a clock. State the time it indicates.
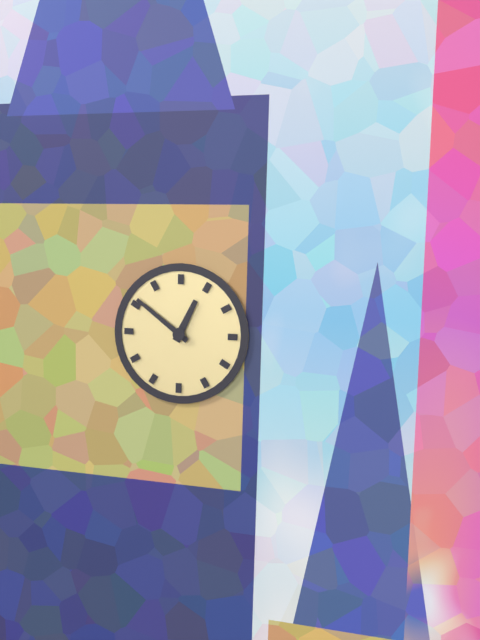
12:51
